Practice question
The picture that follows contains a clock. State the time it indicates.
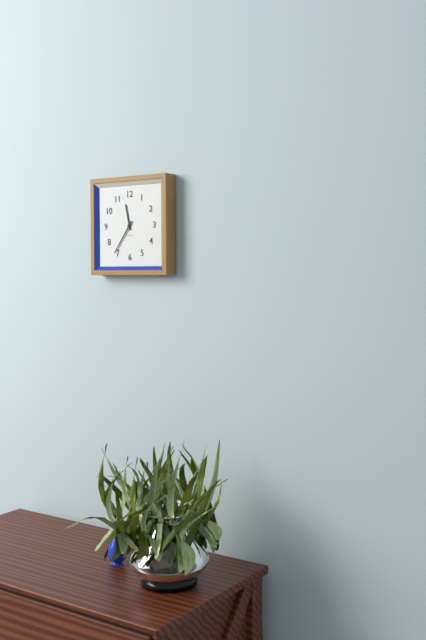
11:36
